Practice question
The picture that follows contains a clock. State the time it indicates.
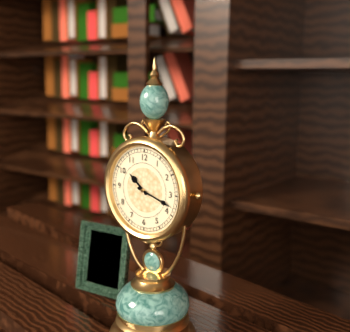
10:18
